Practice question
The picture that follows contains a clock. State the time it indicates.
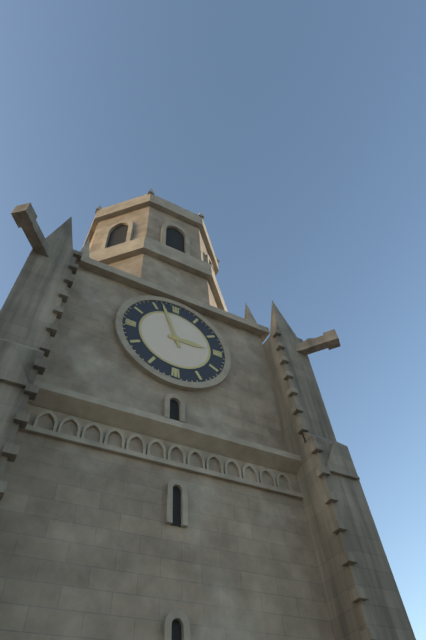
2:57
